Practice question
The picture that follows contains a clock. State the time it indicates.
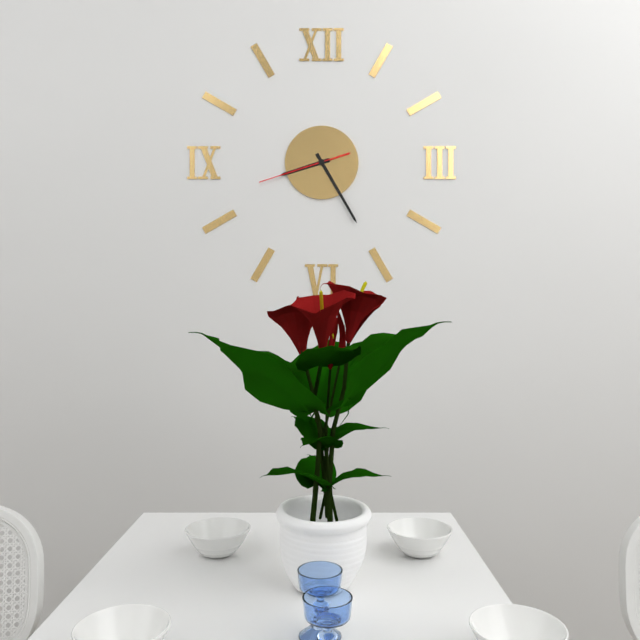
8:25:42
